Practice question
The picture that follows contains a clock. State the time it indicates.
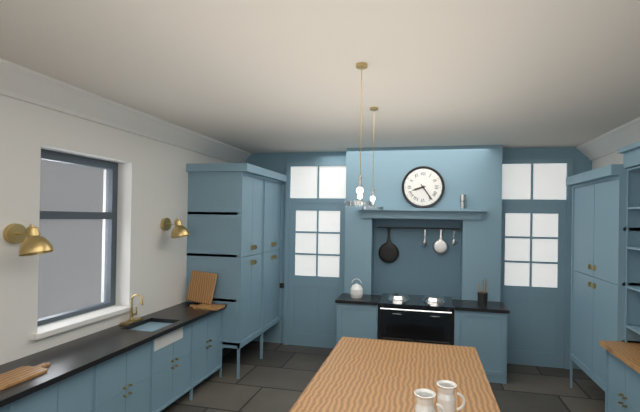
8:24
